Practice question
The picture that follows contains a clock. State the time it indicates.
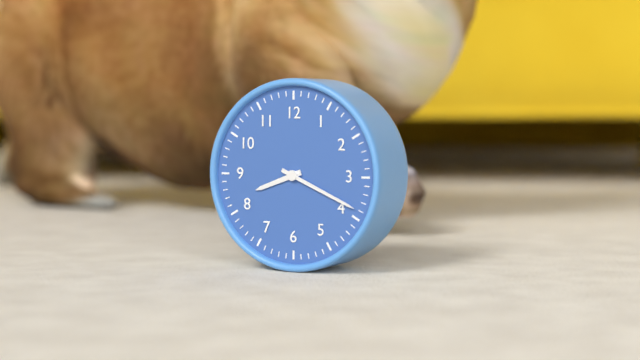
8:19
